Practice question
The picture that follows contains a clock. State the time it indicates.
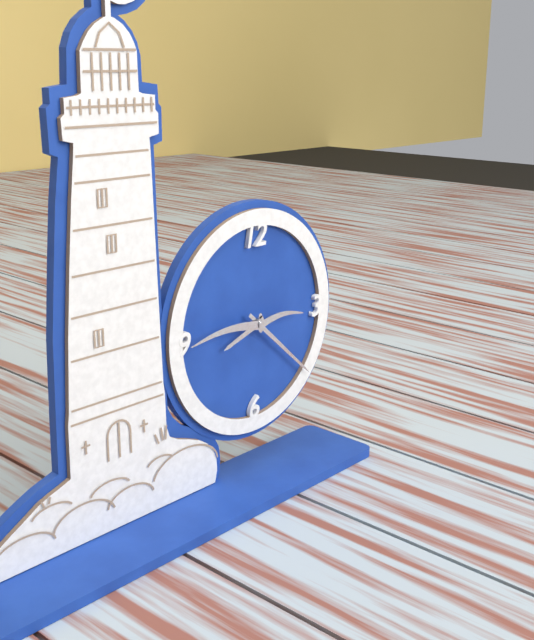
8:22:45
